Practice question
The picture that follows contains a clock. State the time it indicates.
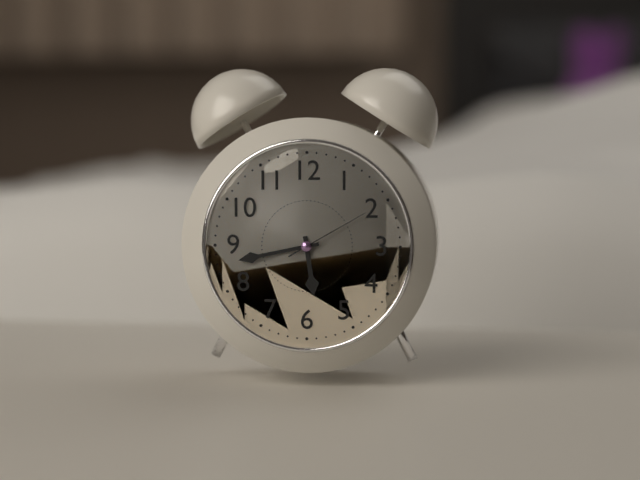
5:43:10
